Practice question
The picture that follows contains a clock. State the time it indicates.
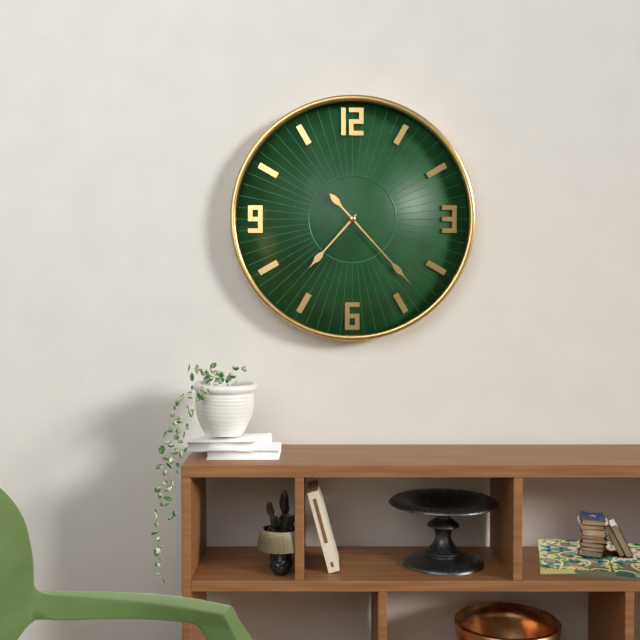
7:23
